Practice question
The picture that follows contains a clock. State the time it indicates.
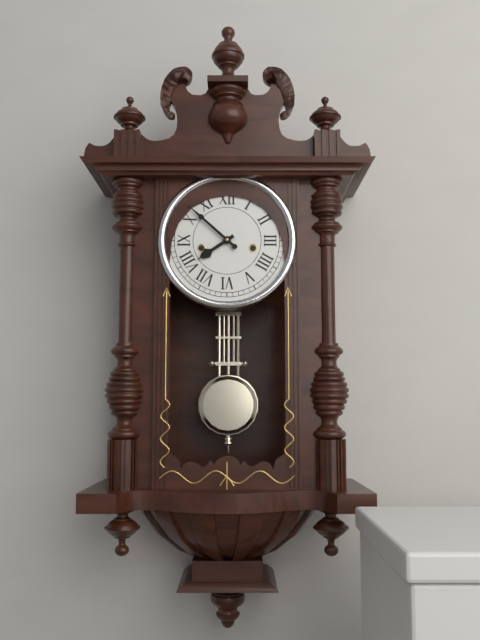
7:52
